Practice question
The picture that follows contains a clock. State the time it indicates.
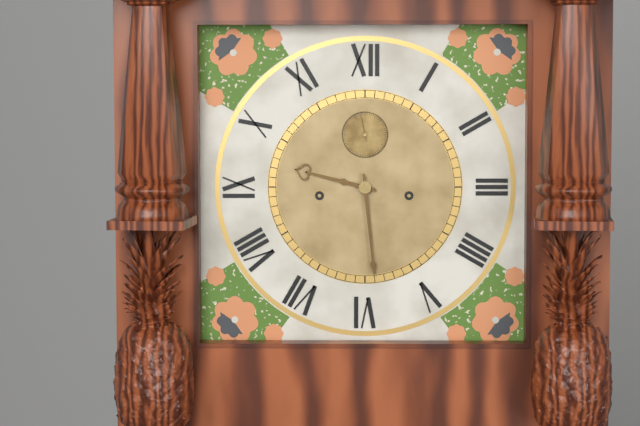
9:29
